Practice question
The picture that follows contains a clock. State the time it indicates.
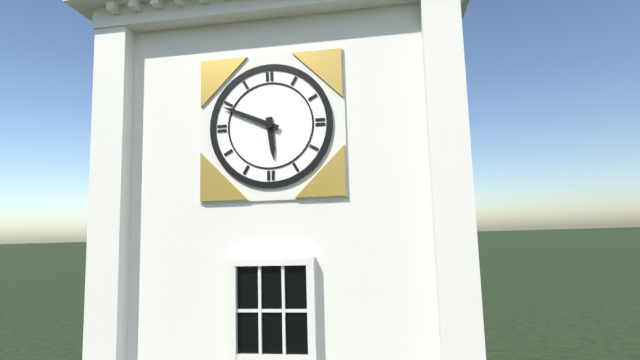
5:49
